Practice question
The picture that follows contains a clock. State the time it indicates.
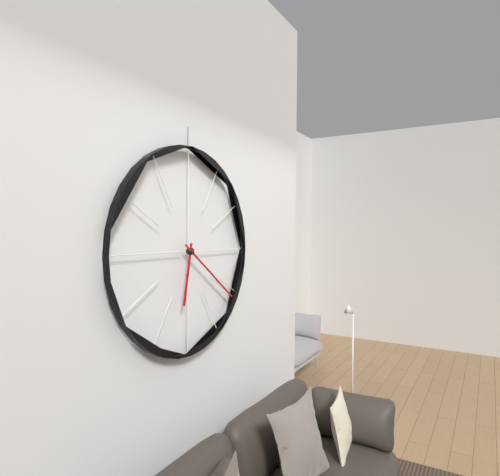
6:21
